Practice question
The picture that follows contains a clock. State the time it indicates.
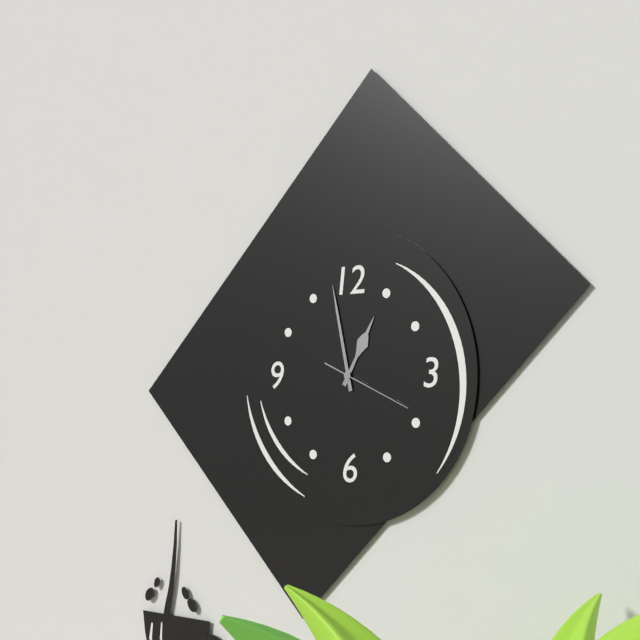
12:58:19
